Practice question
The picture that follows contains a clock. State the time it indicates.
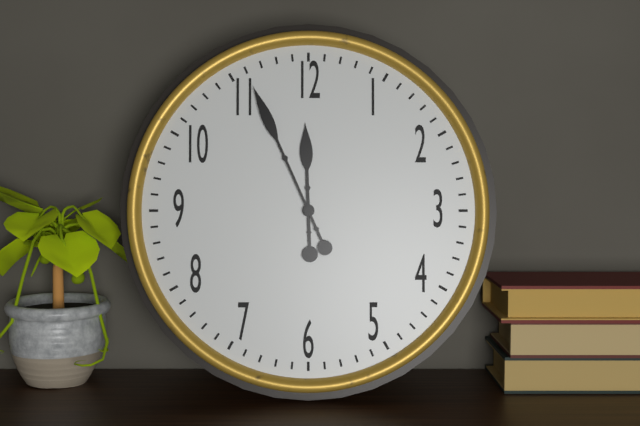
11:56
